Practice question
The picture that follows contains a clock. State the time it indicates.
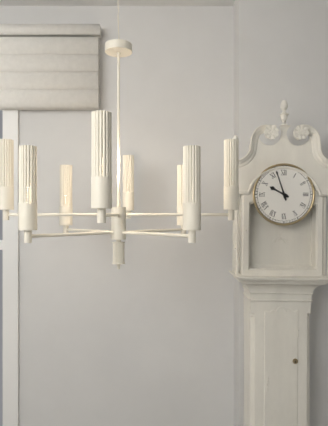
9:57
